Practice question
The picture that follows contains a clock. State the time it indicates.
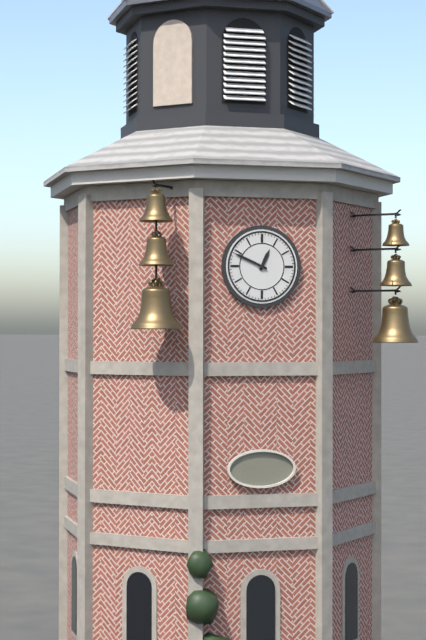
12:49
